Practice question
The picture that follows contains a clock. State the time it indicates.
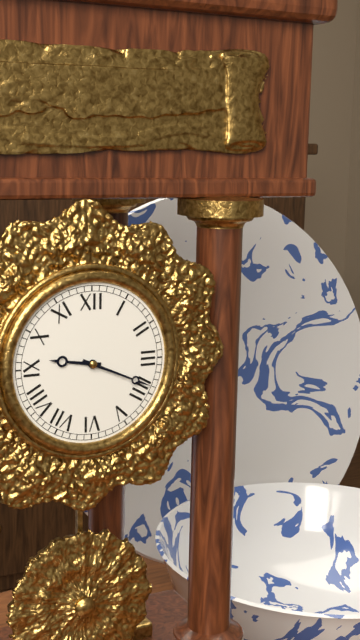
9:19
